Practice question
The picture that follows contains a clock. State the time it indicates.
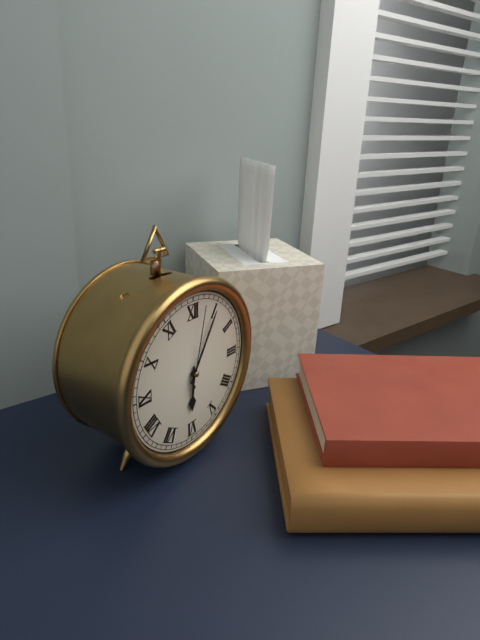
6:05:02
